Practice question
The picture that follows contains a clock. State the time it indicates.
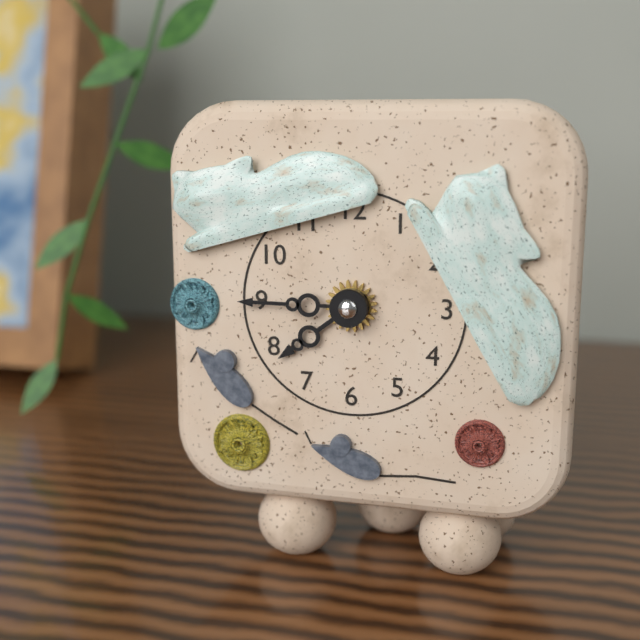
7:45
